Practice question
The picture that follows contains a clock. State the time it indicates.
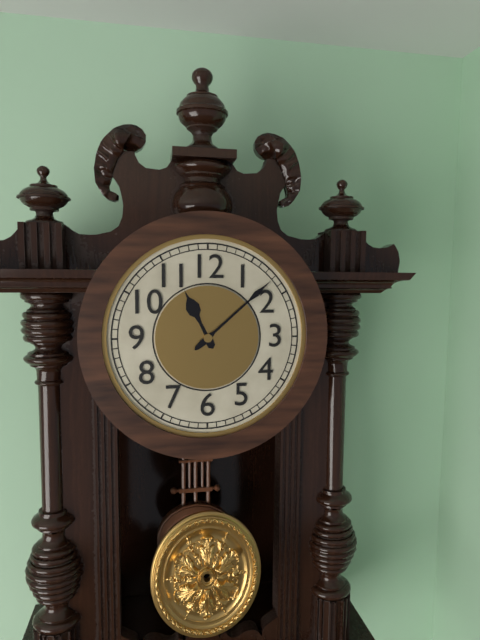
11:08
